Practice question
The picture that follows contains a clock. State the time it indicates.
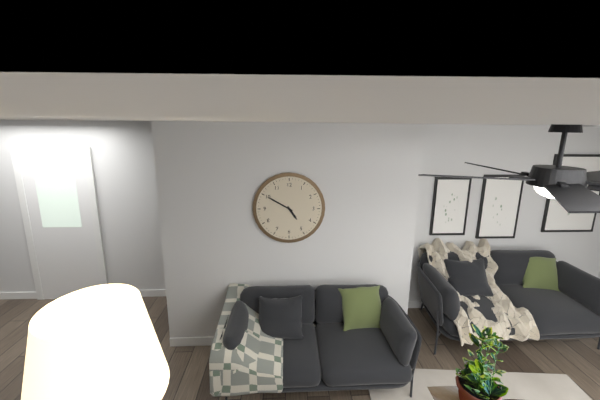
4:50
